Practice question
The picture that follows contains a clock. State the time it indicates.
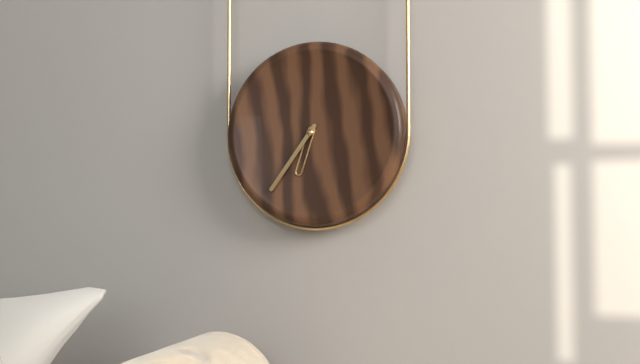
6:36
